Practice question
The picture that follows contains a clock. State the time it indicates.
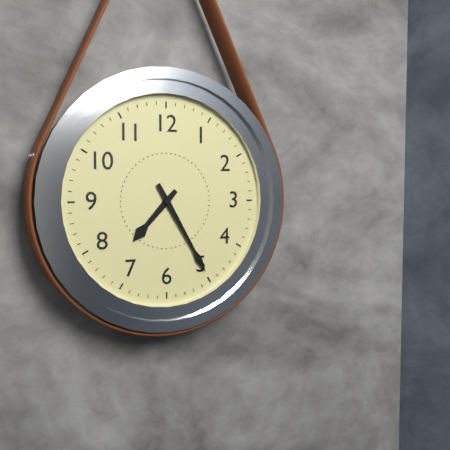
7:25
